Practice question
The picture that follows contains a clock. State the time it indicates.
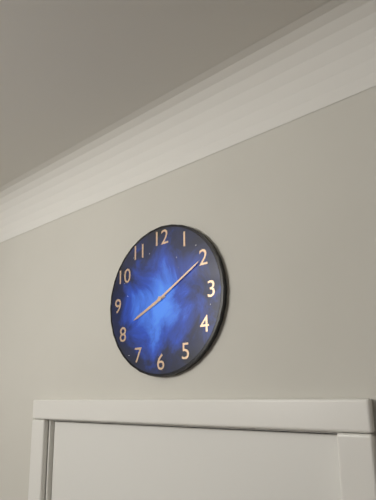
8:10
